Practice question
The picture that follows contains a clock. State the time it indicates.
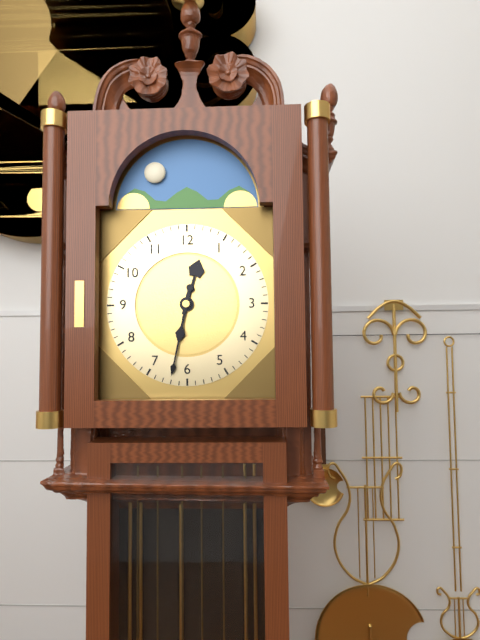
12:32
